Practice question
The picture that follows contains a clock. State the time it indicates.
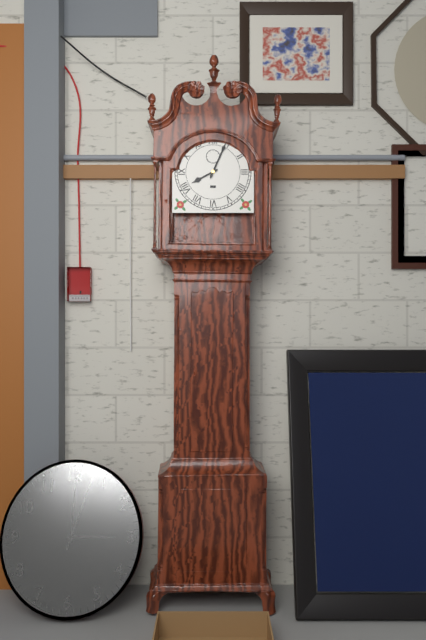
8:04
